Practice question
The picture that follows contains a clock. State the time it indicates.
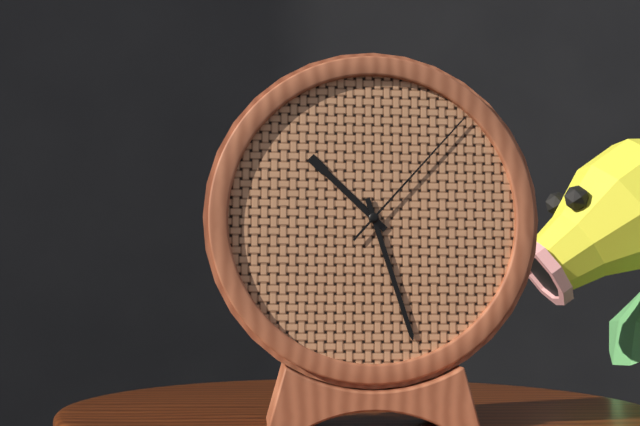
10:27:07
